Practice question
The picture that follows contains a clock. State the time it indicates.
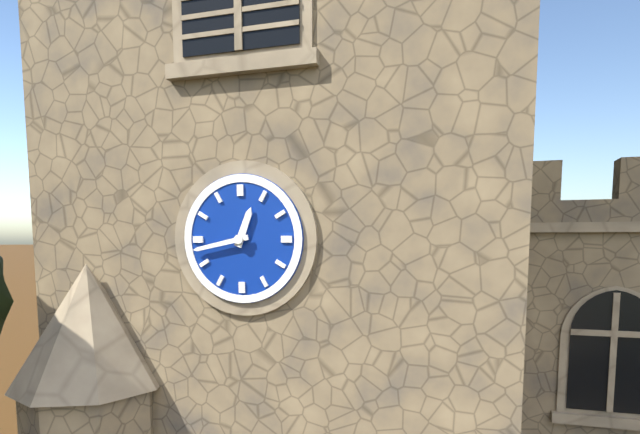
12:43
